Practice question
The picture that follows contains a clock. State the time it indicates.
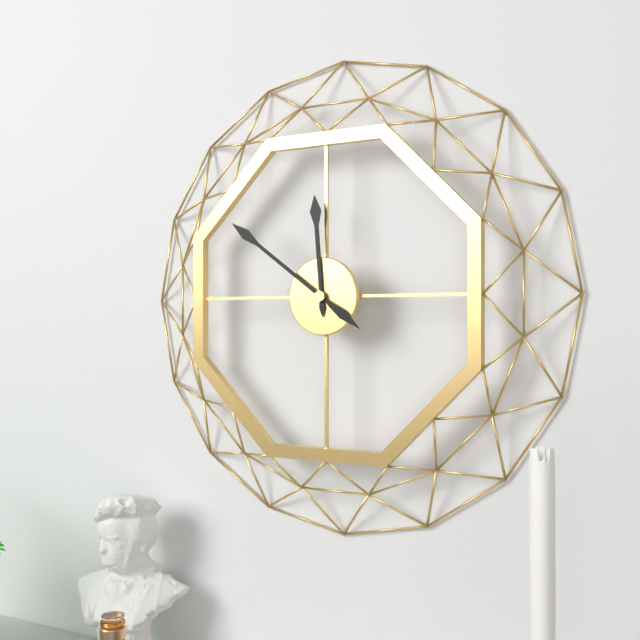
11:51
